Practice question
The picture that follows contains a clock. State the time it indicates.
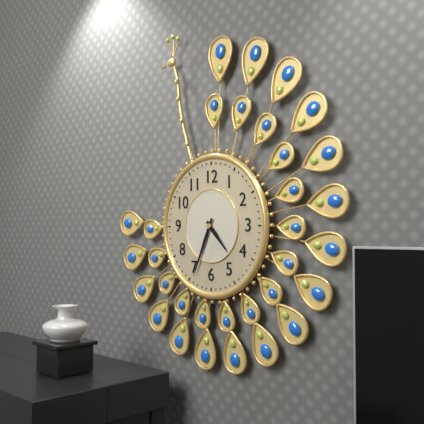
4:34
